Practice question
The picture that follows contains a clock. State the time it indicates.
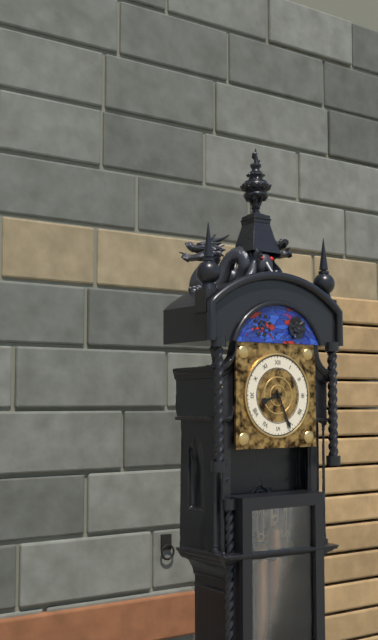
8:26
